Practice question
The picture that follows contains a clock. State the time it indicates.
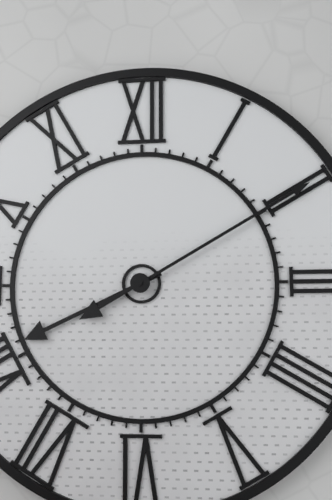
8:10
